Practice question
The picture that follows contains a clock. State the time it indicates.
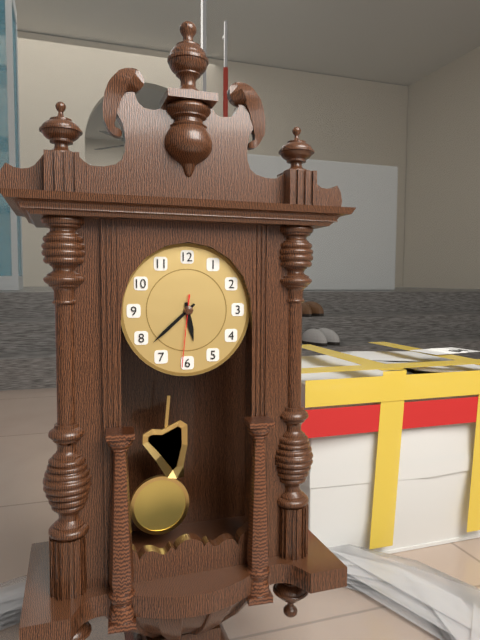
5:38:31
